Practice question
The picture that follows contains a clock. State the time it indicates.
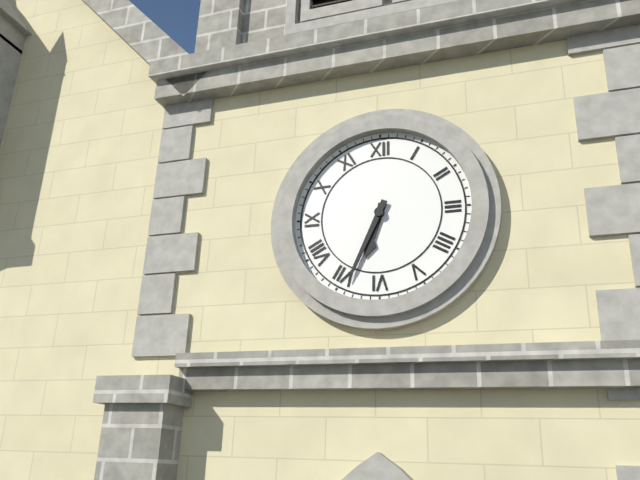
6:34
